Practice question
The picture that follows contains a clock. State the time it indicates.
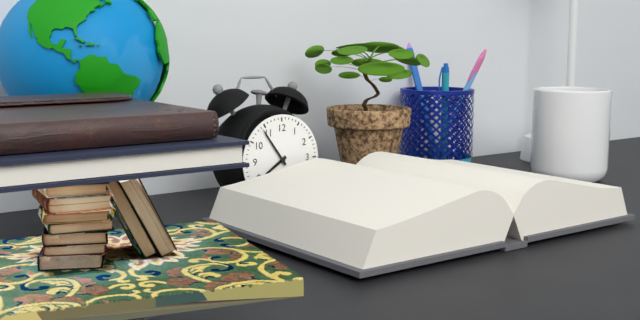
7:54
